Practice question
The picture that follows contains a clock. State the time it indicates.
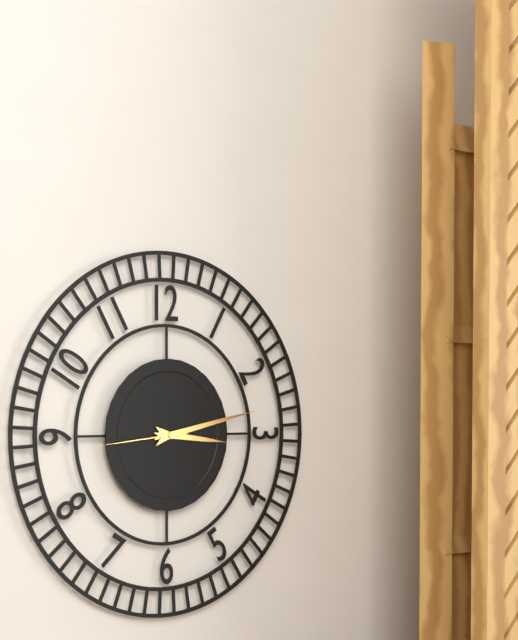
3:13:44
